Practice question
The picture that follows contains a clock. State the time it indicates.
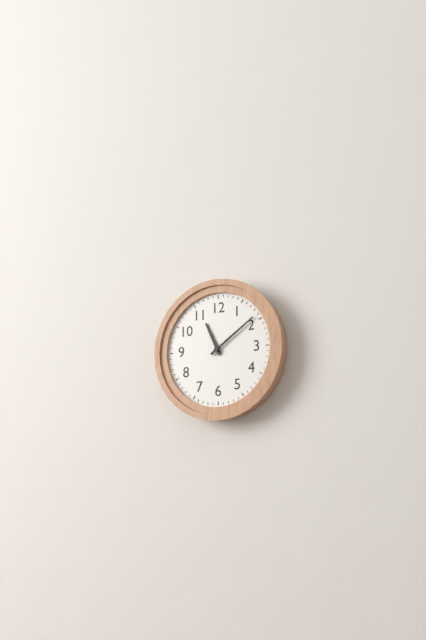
11:09
